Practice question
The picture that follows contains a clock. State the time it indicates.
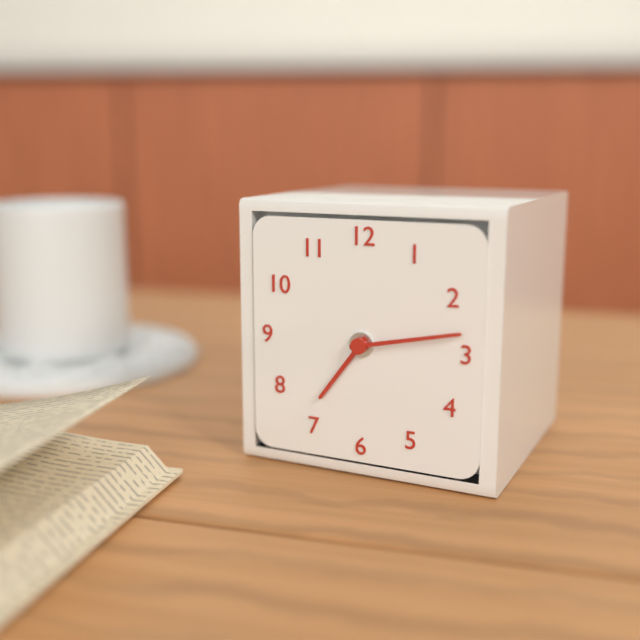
7:13
